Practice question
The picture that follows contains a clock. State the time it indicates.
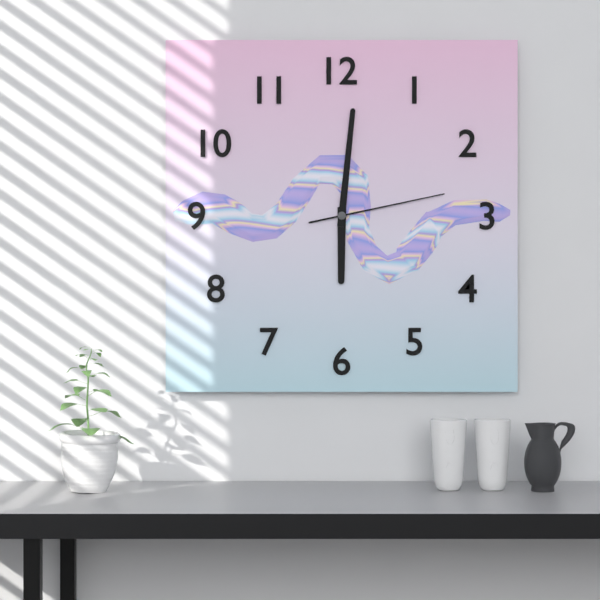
6:01:13
